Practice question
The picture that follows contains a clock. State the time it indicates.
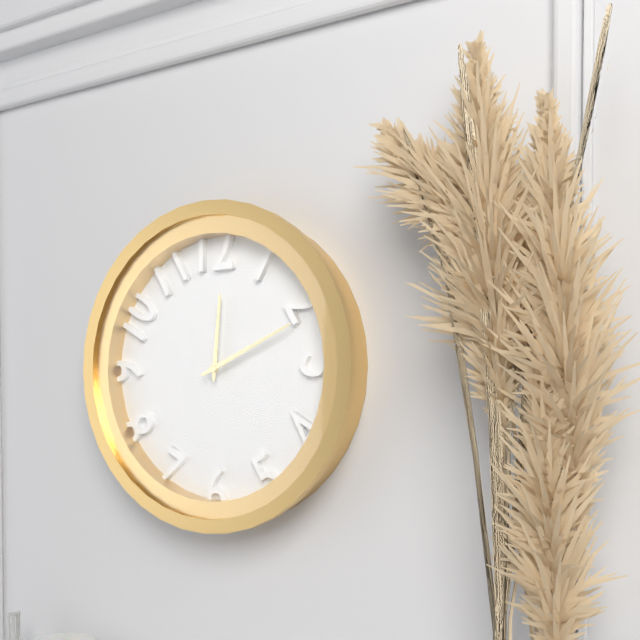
12:11
